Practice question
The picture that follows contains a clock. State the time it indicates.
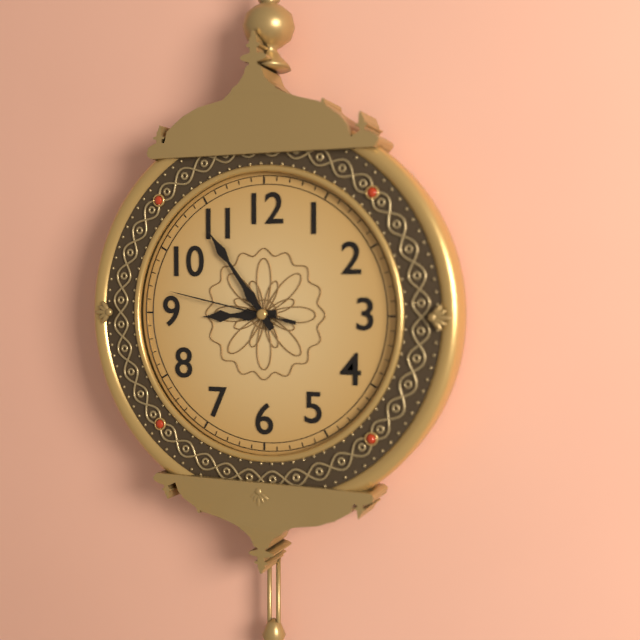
8:54:47
